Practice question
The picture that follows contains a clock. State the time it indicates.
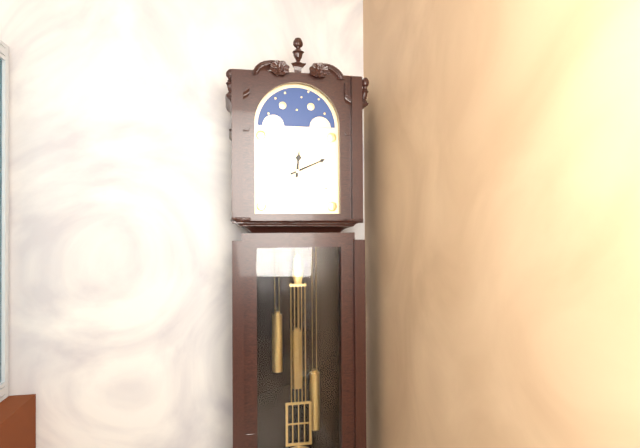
12:11
